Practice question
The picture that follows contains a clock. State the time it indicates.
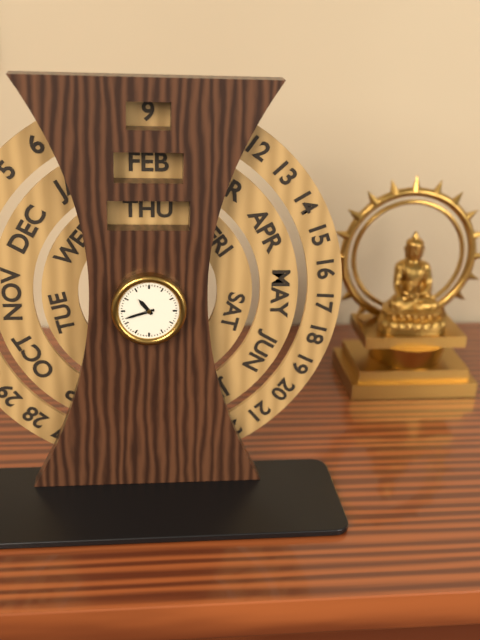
10:42
